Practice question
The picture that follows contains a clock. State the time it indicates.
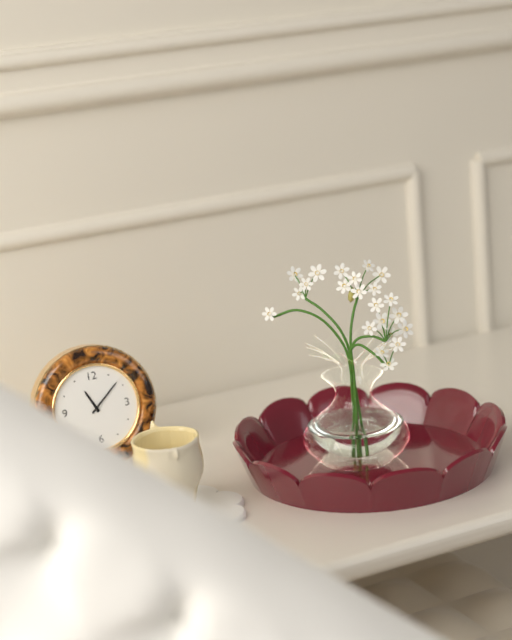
11:08
